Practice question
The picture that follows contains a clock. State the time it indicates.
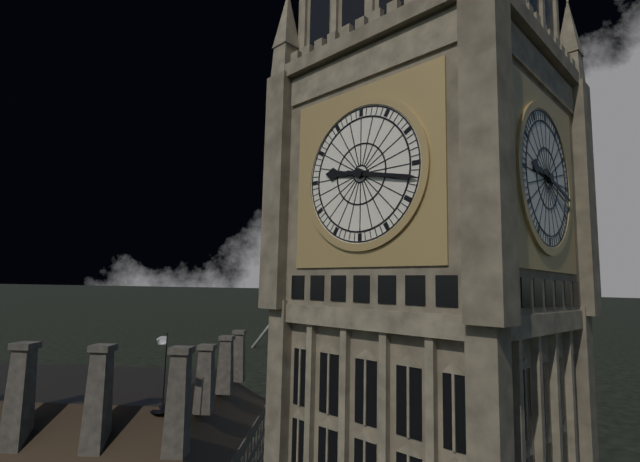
9:17
